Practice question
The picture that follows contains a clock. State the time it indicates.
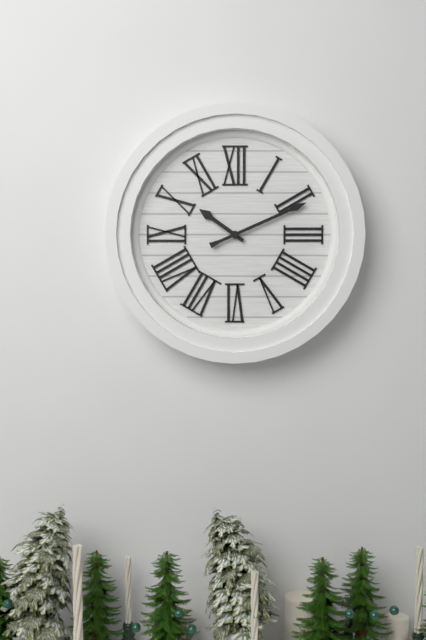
10:11
